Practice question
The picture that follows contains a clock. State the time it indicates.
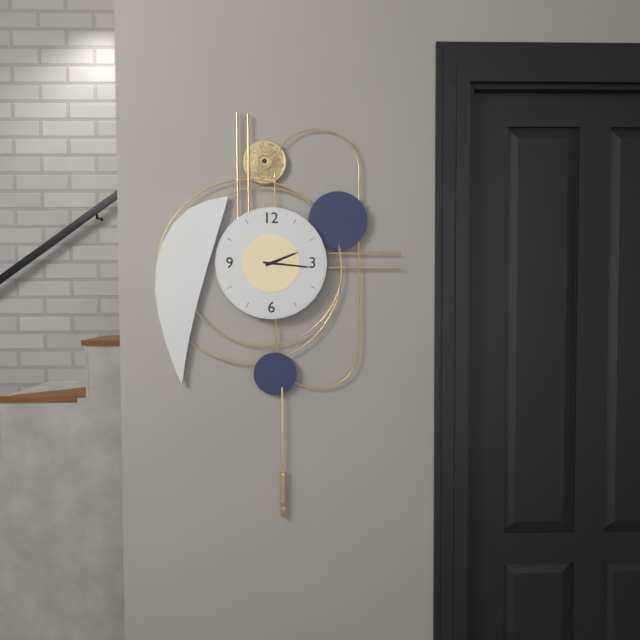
2:16
